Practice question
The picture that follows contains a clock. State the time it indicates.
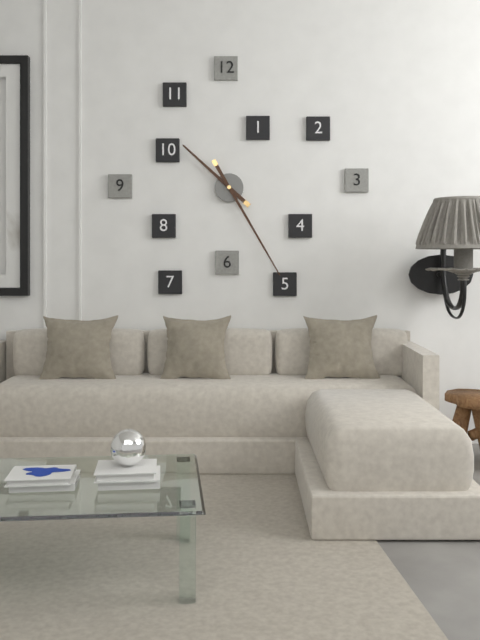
10:25
